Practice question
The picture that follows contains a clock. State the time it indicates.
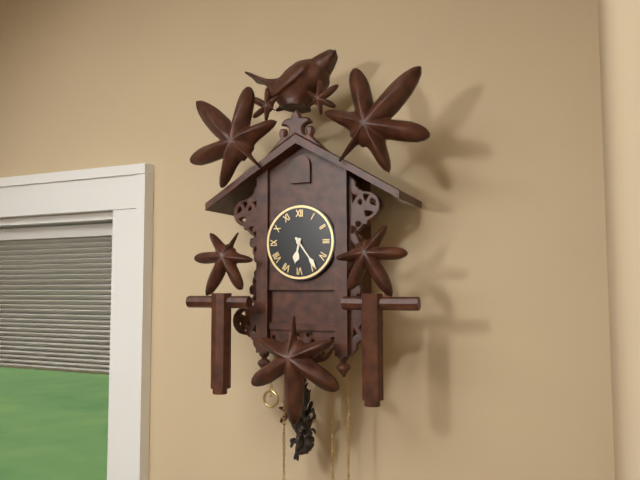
6:24
